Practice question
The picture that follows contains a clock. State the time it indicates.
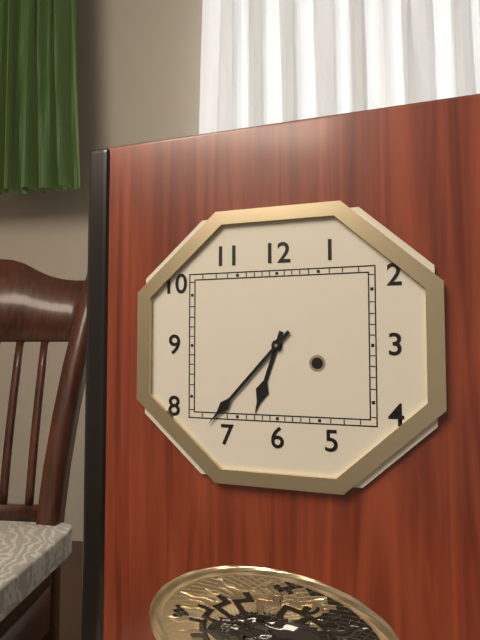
6:37
